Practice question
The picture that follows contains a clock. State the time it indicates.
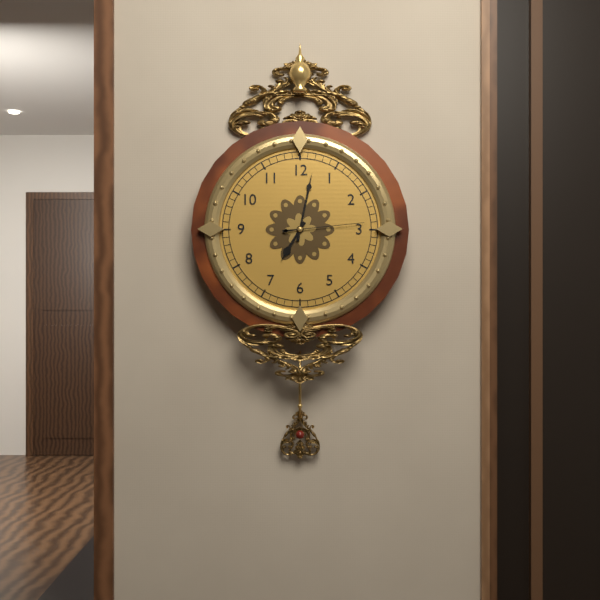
7:02:14
